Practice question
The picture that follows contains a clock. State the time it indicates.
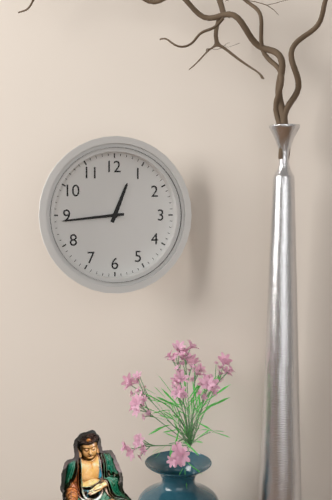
12:44
